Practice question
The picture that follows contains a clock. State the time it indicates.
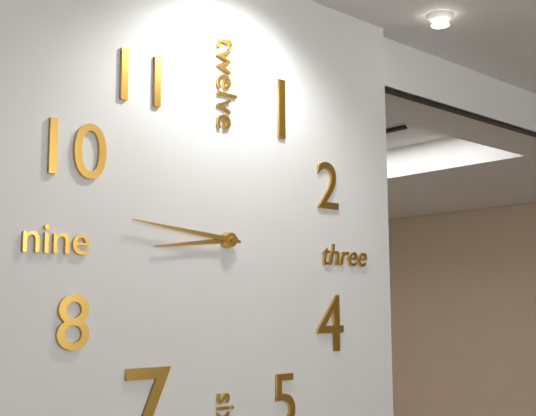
8:46
